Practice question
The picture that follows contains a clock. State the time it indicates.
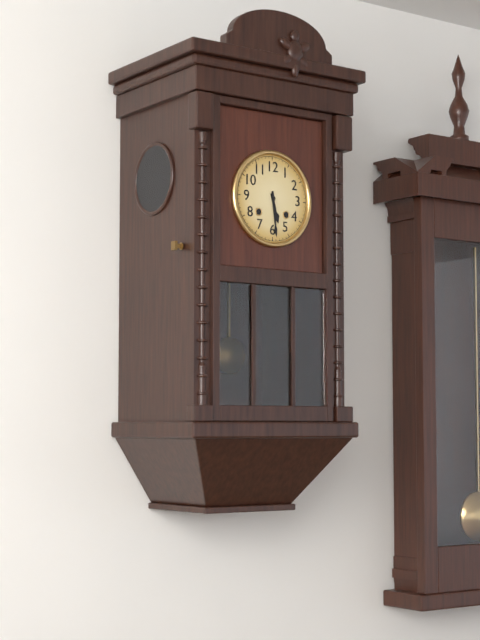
5:29
